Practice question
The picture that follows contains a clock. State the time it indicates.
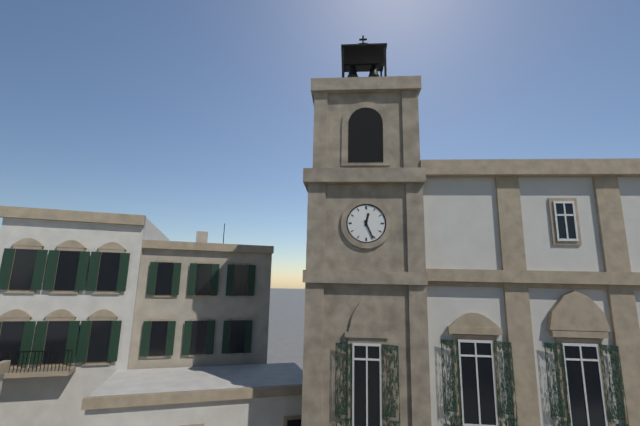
12:26
